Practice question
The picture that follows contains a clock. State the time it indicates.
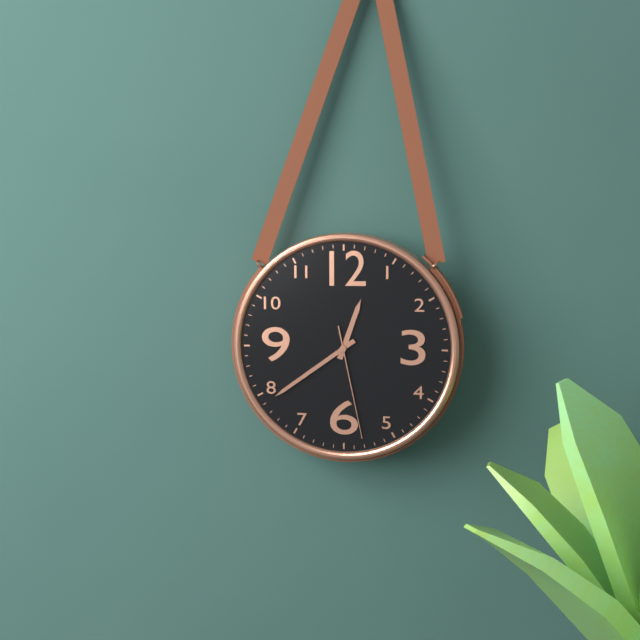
12:39:28
